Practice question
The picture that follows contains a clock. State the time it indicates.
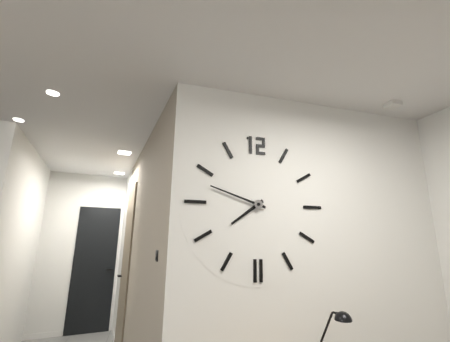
7:48
